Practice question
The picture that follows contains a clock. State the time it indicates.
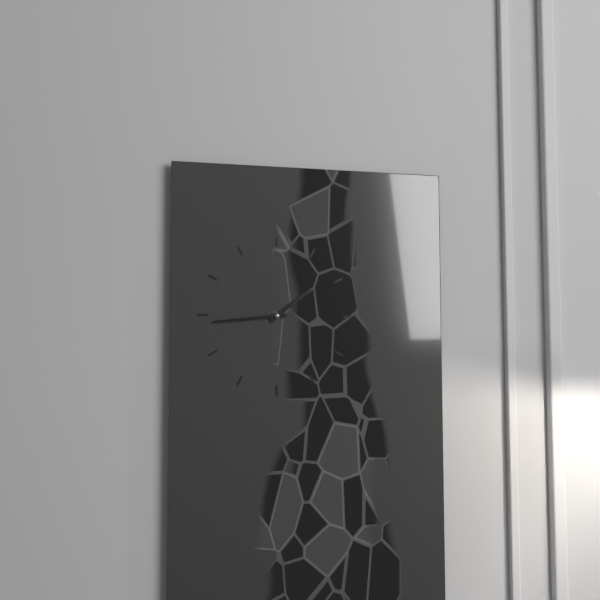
1:44
